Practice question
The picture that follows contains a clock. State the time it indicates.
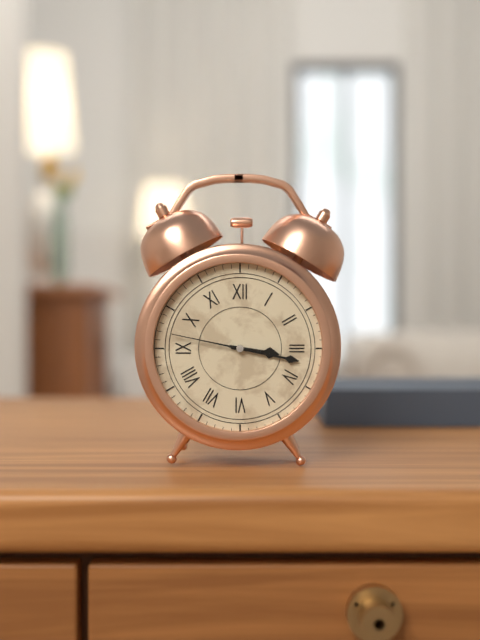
3:17:47
